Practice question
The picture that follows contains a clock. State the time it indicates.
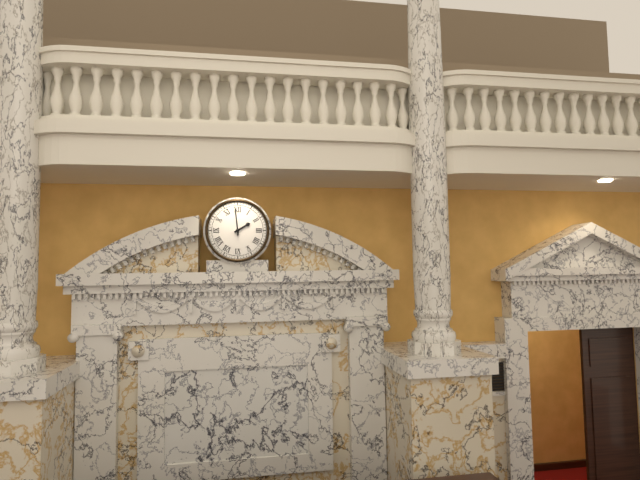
1:59
